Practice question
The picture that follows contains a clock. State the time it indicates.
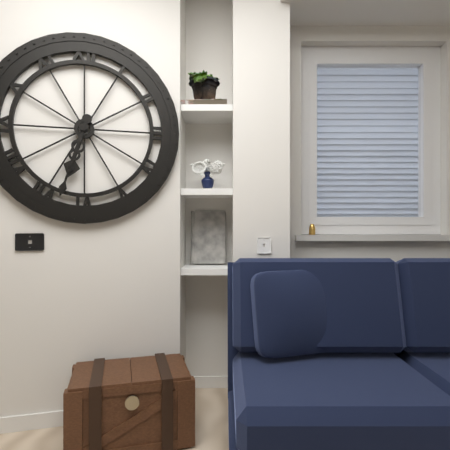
6:33
